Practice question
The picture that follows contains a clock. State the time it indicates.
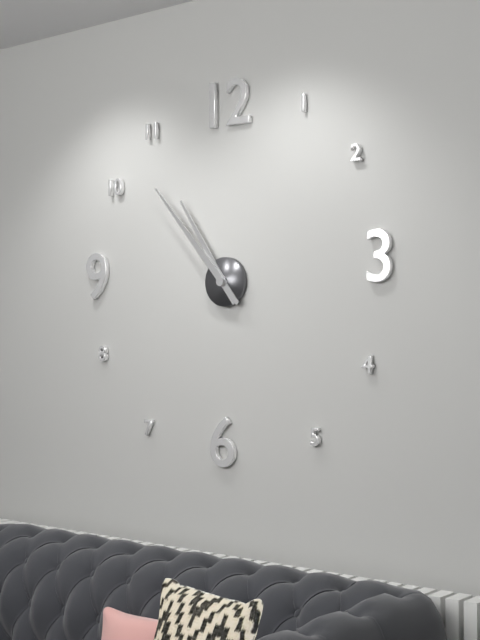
10:53
